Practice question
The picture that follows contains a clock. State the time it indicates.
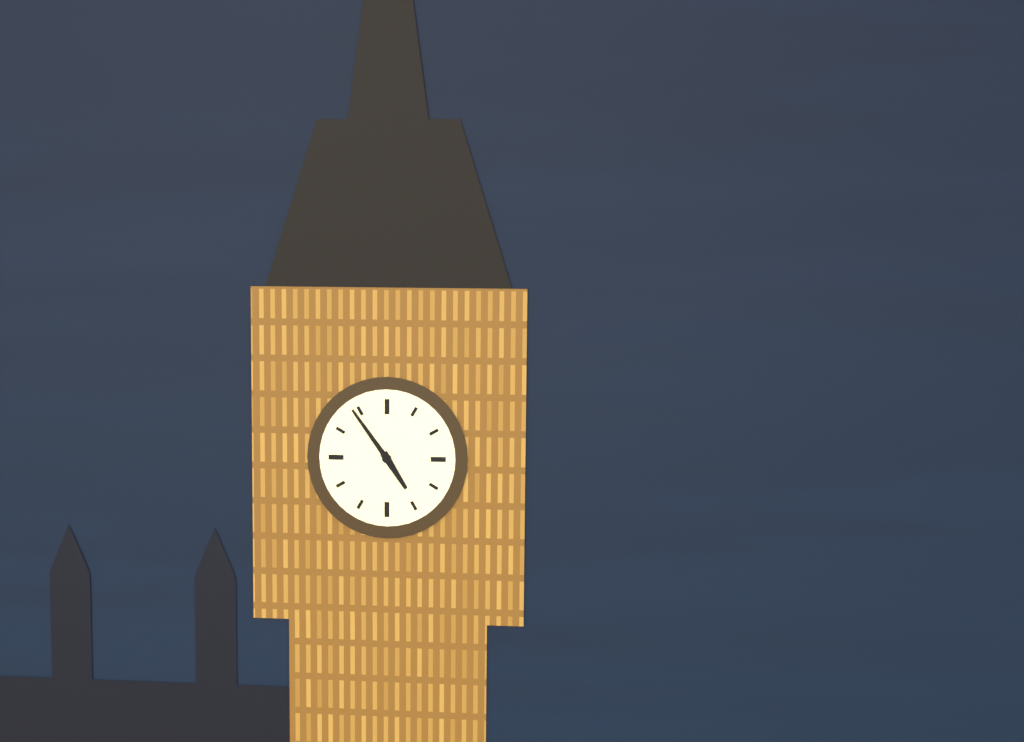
4:54
